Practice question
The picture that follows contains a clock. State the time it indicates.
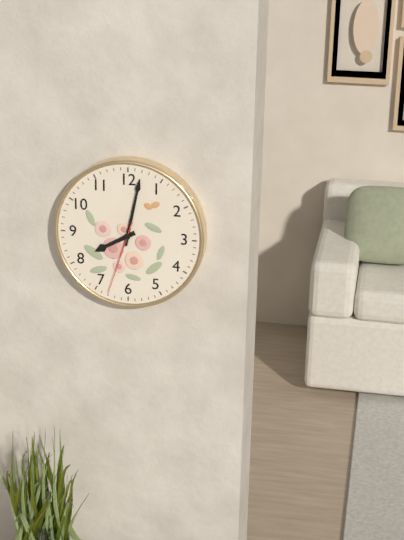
8:02:33
